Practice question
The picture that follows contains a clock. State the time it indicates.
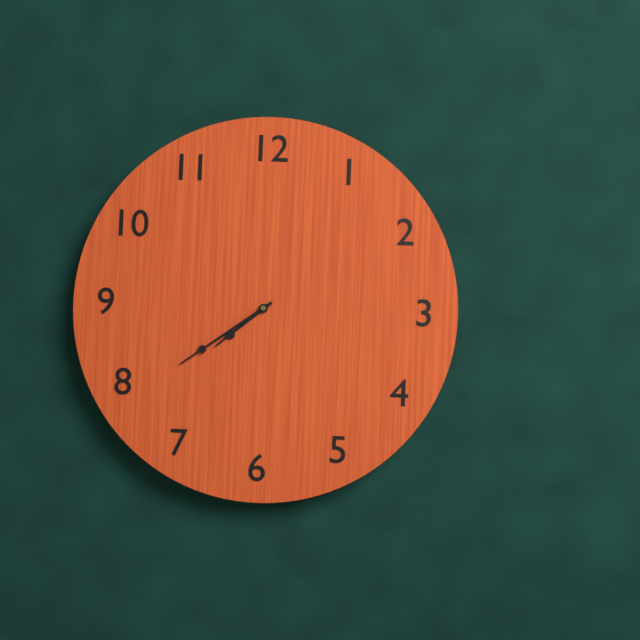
7:39
